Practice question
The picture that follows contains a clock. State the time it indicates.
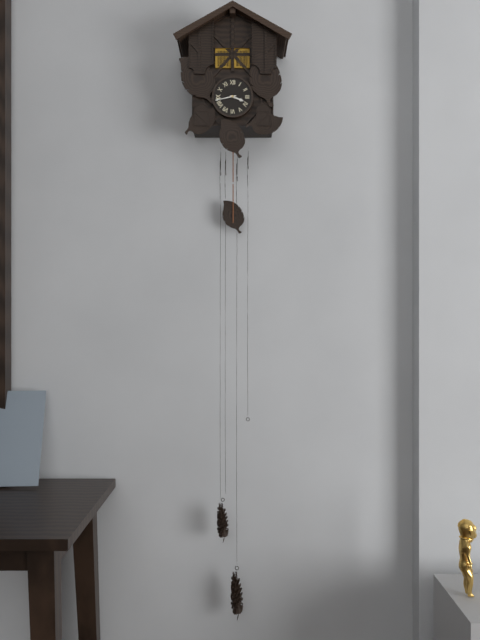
3:43
